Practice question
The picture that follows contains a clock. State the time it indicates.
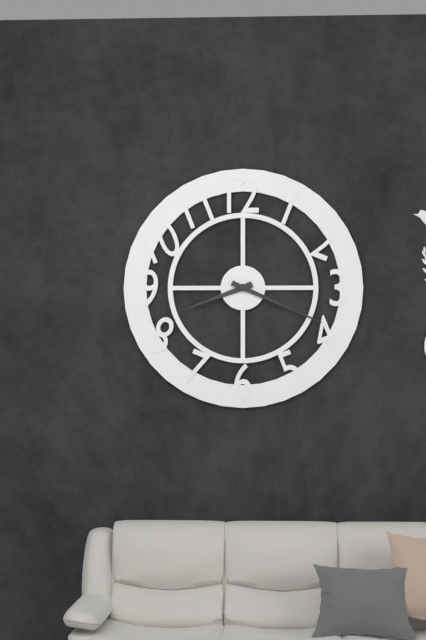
8:19
